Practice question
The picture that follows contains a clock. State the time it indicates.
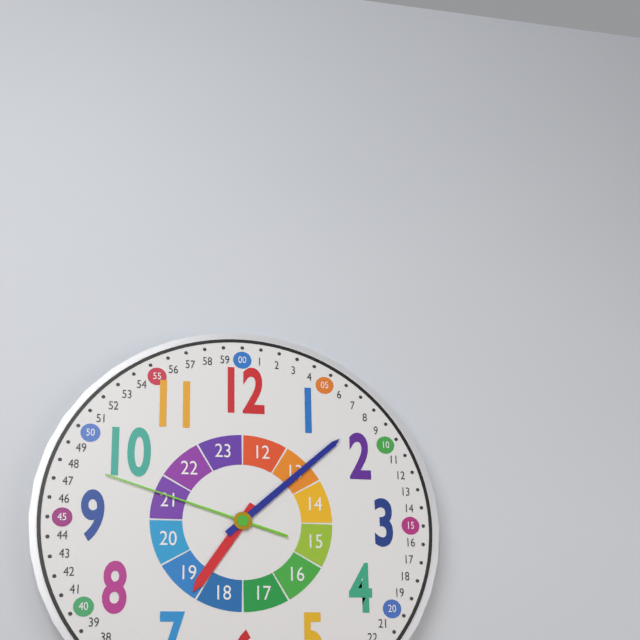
7:08:48
